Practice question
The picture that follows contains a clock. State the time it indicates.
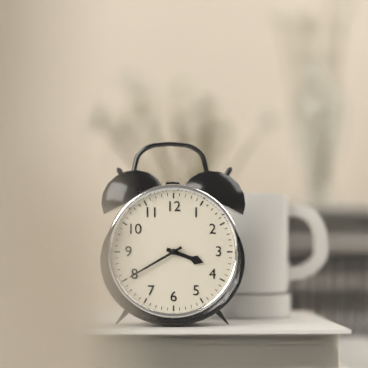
3:40
